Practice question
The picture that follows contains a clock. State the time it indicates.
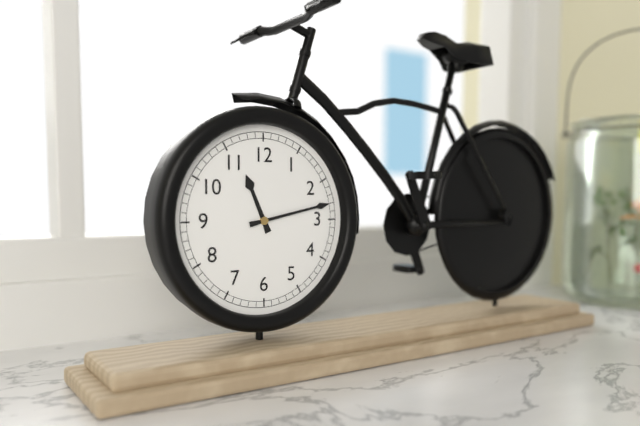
11:13
